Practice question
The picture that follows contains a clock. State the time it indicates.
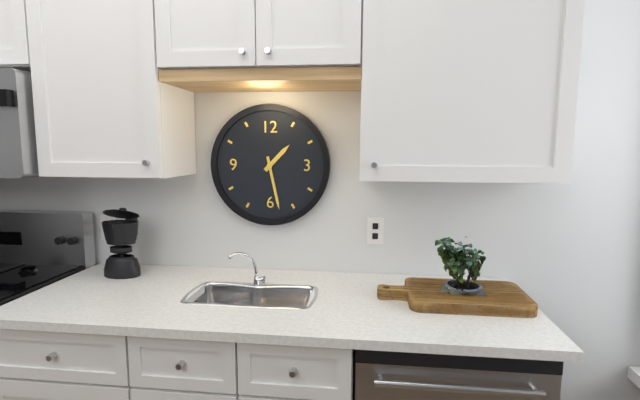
1:28
